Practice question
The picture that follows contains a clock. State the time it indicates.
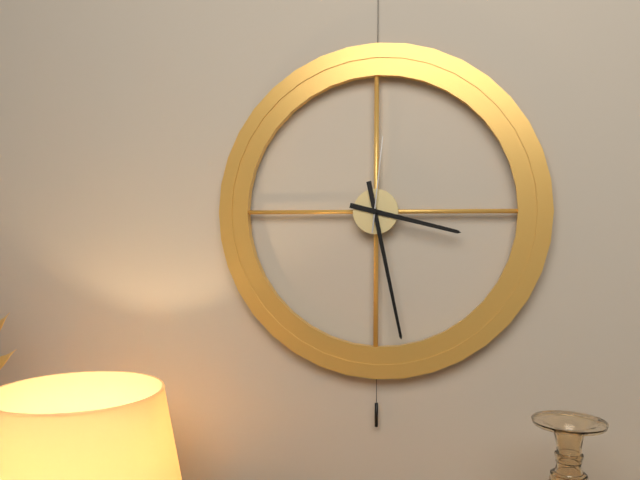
3:28:01
